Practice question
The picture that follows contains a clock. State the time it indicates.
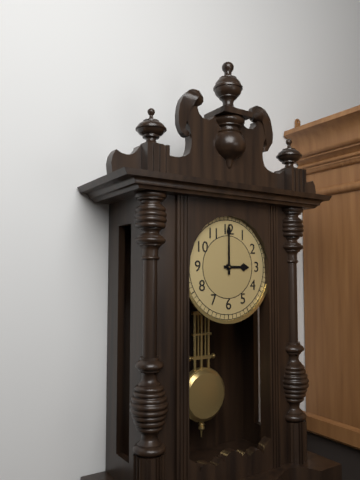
3:00
